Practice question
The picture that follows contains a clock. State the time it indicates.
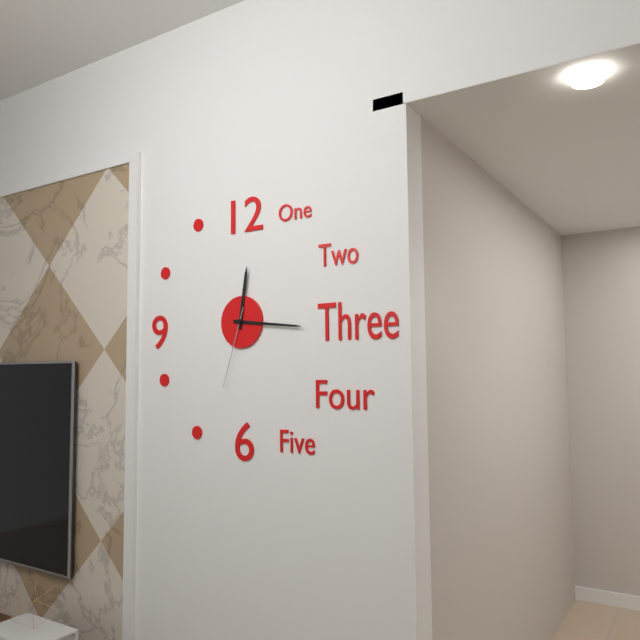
12:16:33
